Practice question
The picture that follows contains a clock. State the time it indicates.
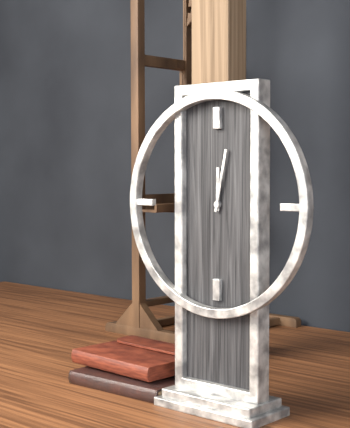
12:02
